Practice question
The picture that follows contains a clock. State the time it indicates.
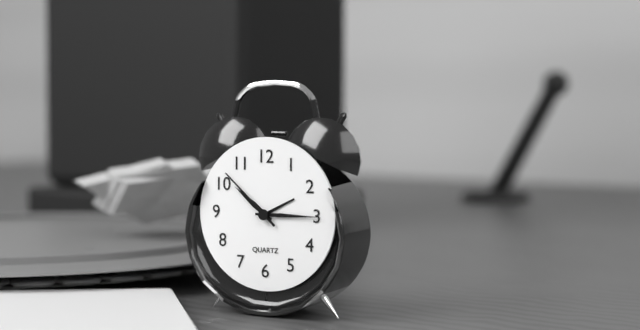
10:15:52
